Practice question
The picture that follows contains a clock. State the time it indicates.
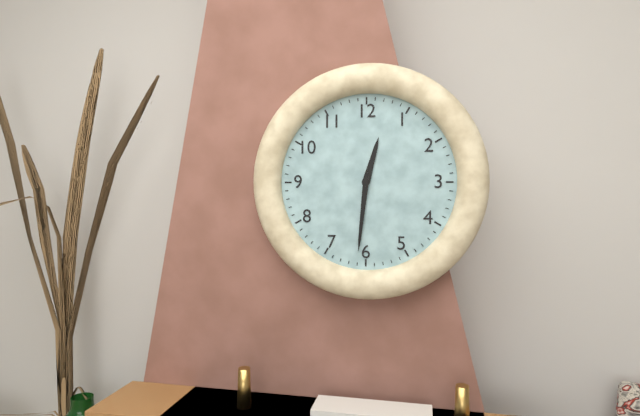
12:31
